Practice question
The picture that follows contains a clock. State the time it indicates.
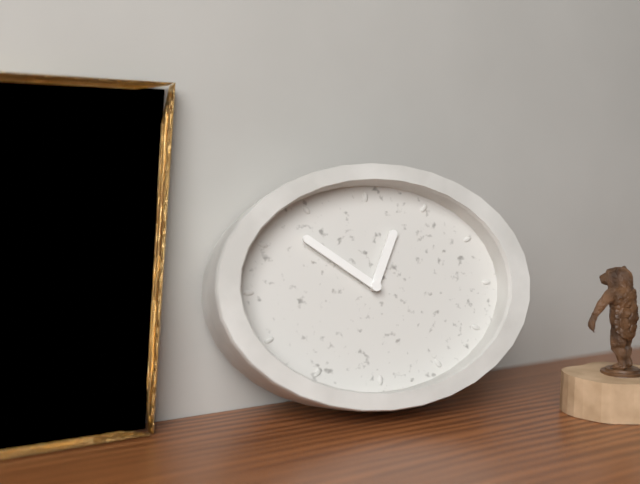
12:51
